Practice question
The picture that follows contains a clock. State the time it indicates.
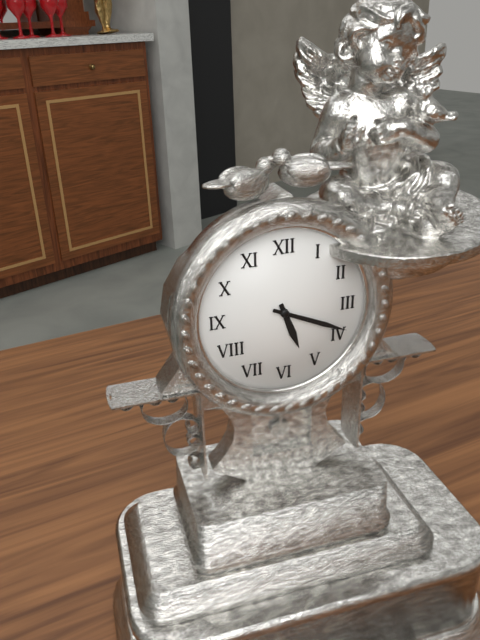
5:19
